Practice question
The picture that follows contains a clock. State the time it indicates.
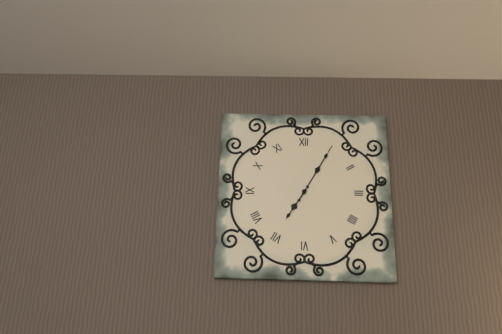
7:05
